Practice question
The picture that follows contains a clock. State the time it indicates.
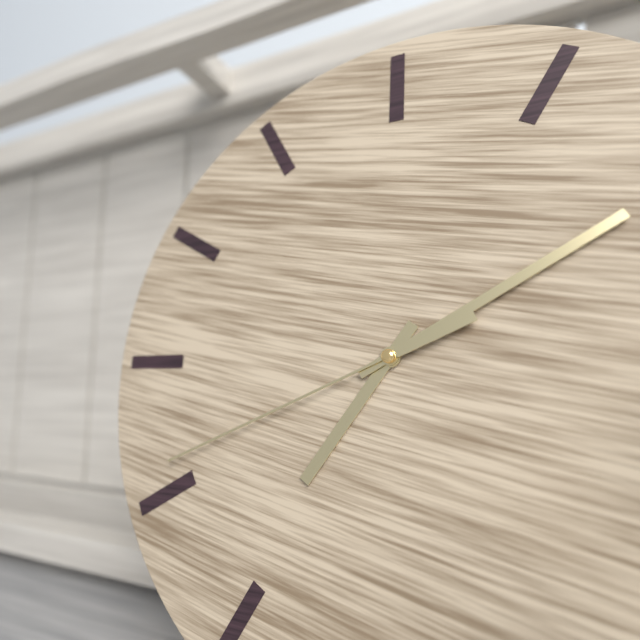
7:10:41
